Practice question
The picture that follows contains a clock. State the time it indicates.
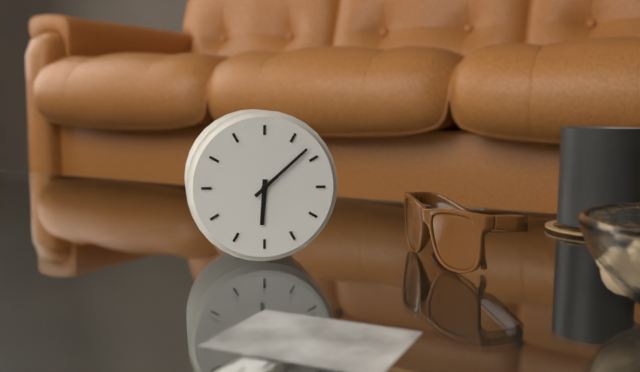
6:08
